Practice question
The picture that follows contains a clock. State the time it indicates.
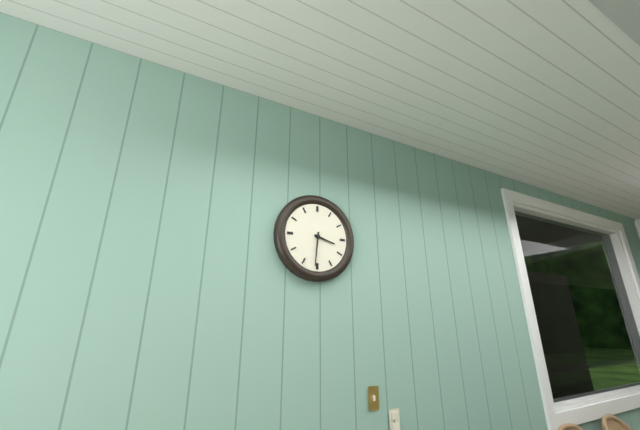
3:31
